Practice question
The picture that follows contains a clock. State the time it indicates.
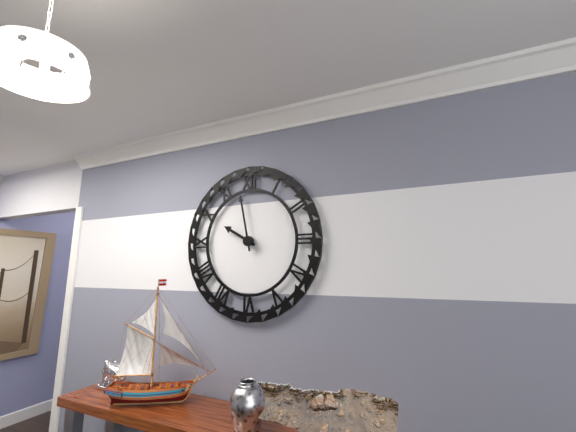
9:58
